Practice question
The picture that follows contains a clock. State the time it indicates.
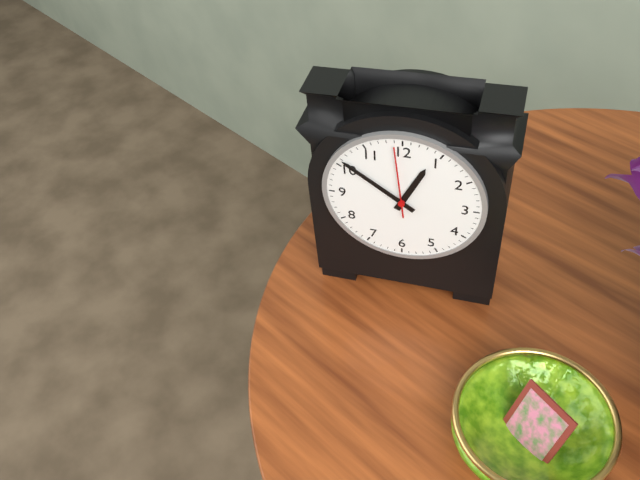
12:51:59
